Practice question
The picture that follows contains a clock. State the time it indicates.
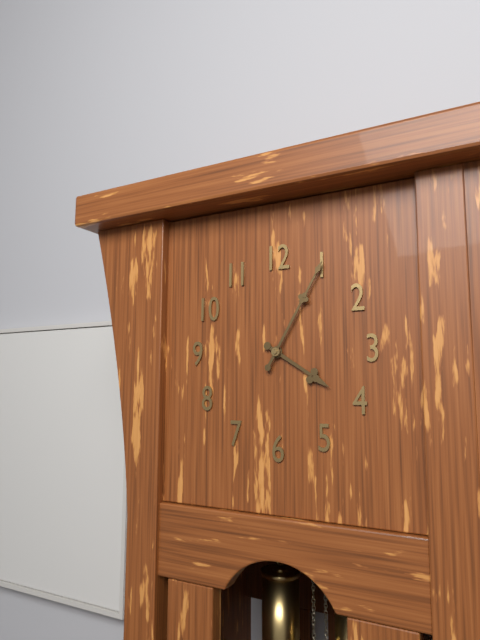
4:05
